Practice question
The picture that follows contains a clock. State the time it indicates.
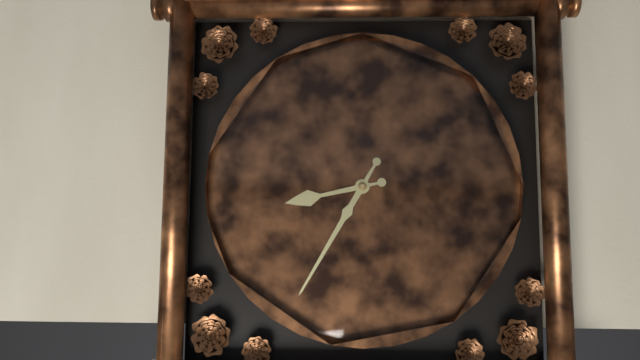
8:35
